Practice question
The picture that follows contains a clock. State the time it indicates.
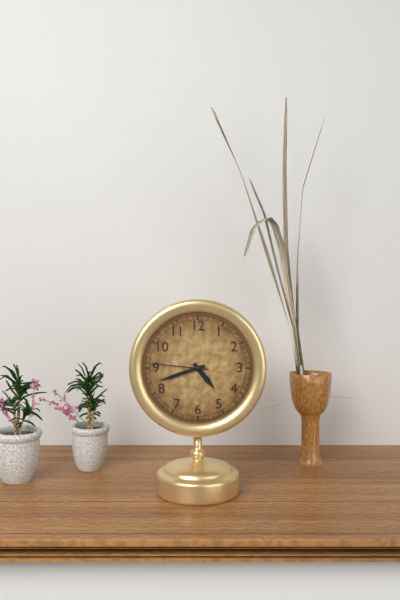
4:42:46
